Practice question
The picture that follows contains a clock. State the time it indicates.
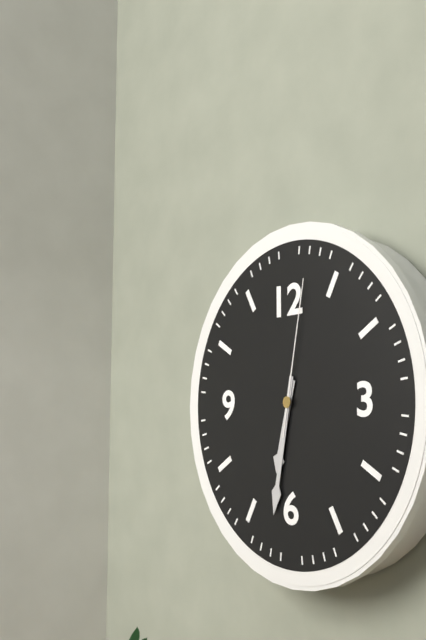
6:32:02
